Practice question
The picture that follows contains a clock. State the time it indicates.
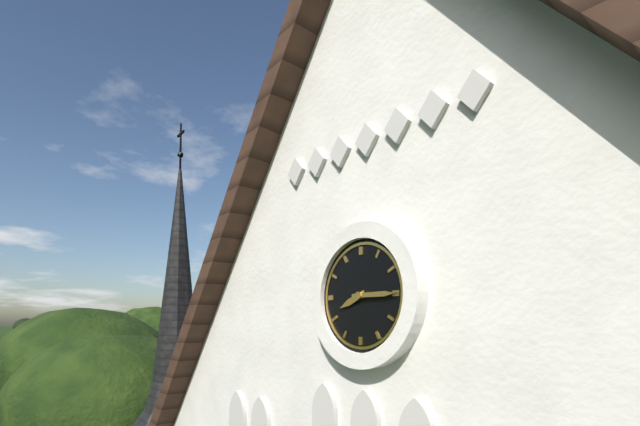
8:15
